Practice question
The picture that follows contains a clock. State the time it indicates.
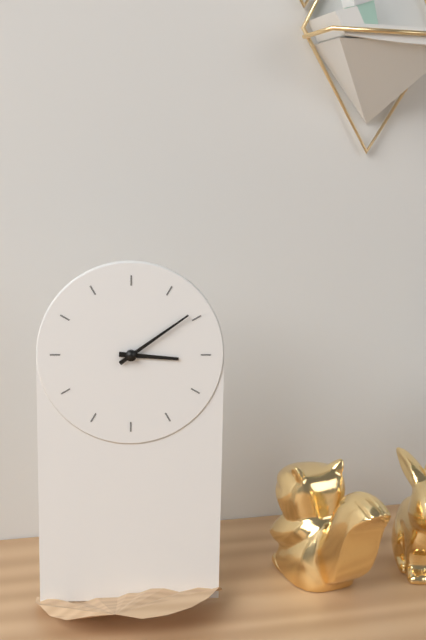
3:09
